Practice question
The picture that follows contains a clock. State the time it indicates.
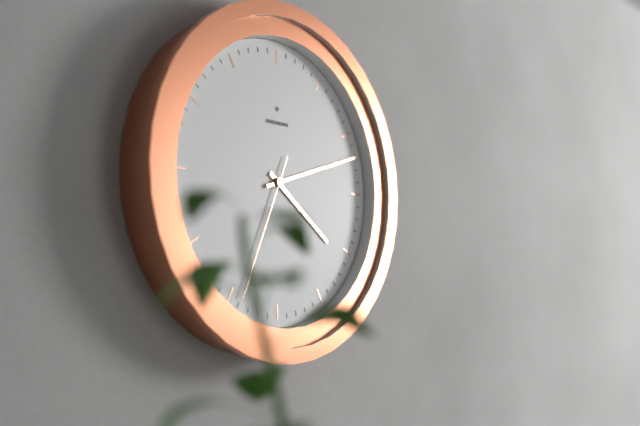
4:12:34
